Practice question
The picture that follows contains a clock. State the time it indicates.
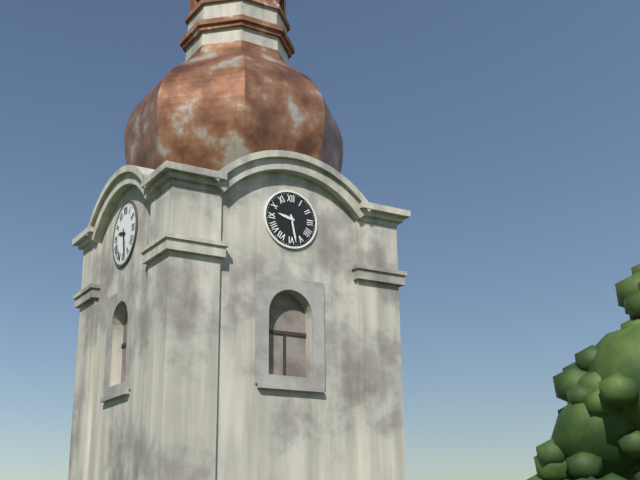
9:28
